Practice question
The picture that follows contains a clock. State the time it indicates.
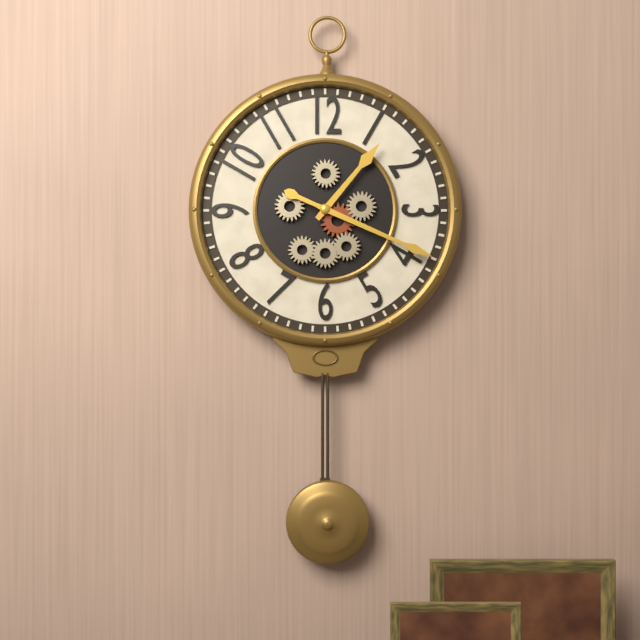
1:19
